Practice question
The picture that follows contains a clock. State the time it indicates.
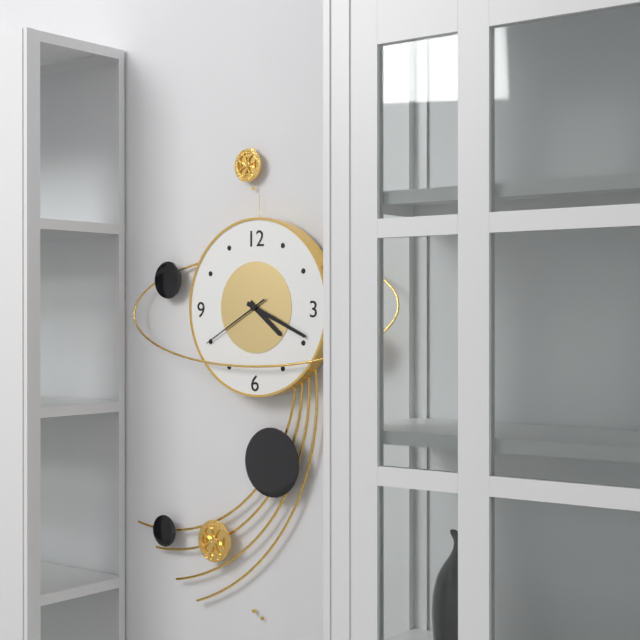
4:19:40
